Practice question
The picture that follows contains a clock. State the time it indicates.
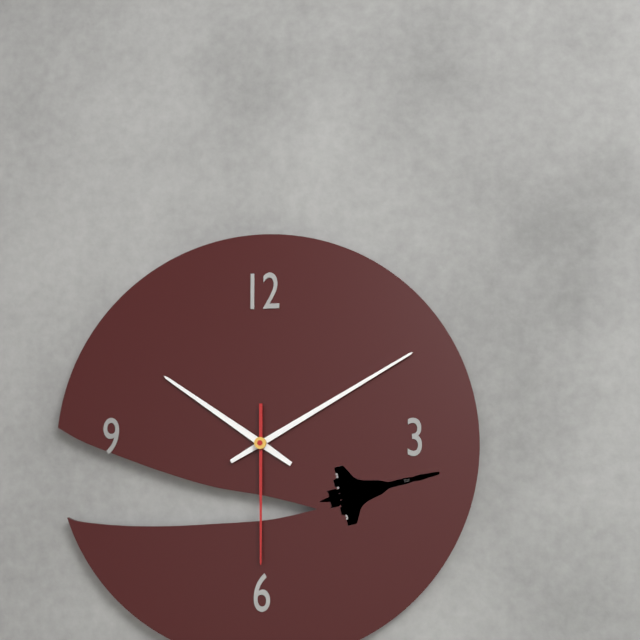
10:10:30
